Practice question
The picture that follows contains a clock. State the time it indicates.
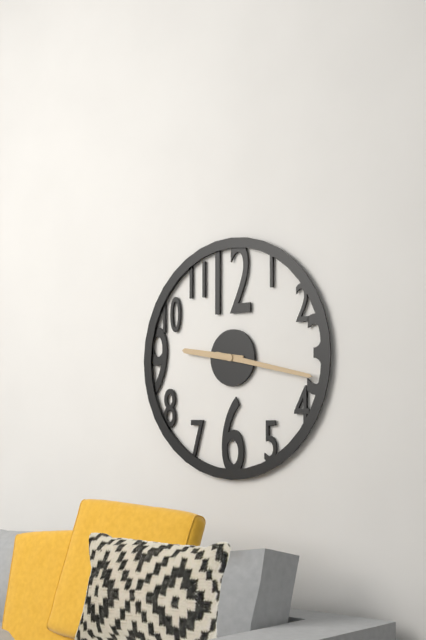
9:17
